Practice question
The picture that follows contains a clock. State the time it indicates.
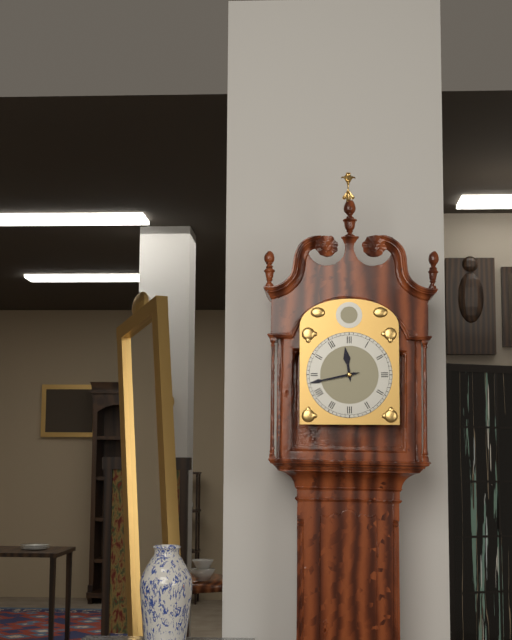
11:43
